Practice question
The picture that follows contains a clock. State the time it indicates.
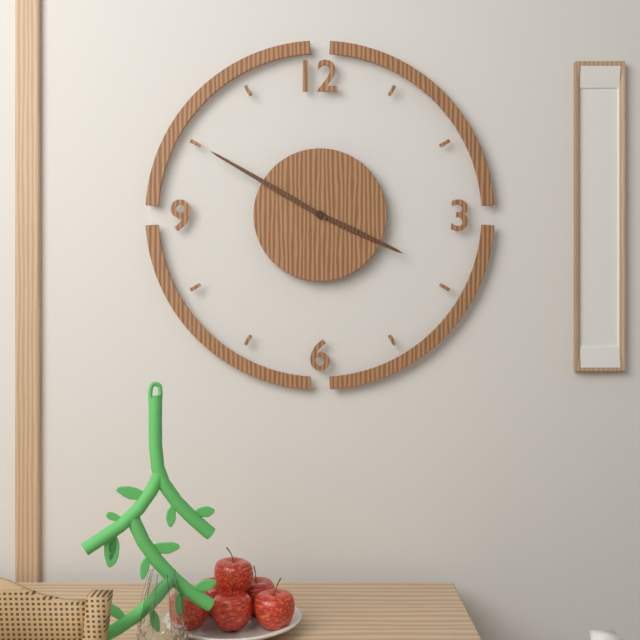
3:50
